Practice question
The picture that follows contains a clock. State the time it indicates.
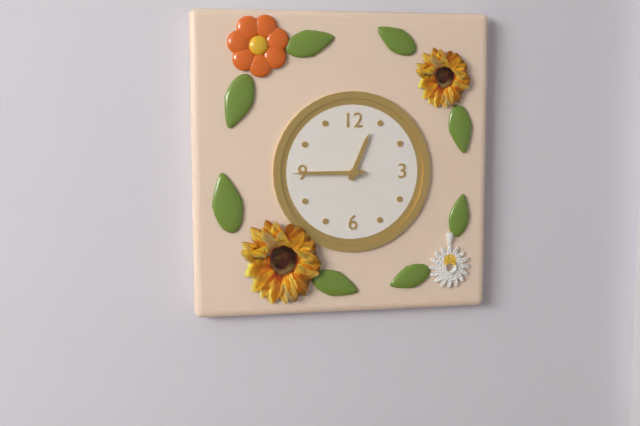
12:45
